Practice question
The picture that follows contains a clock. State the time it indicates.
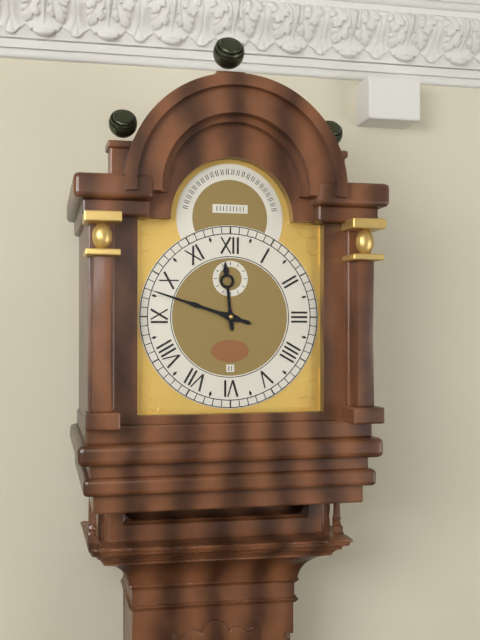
11:48
